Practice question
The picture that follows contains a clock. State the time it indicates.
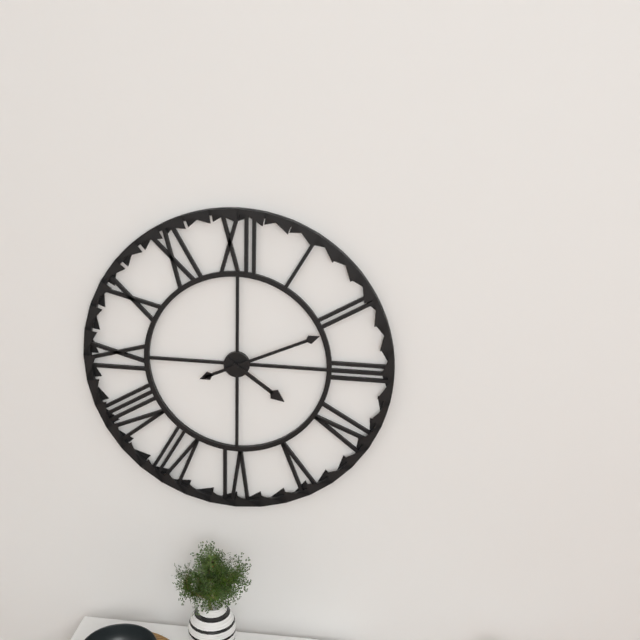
4:11
